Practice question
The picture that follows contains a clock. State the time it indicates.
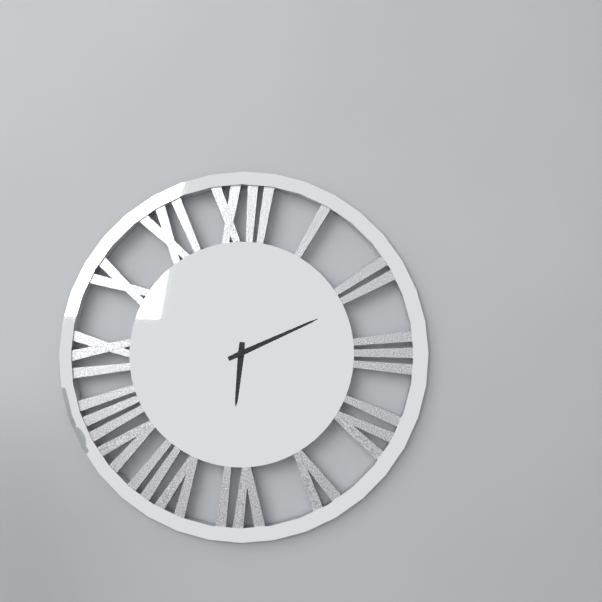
6:11
